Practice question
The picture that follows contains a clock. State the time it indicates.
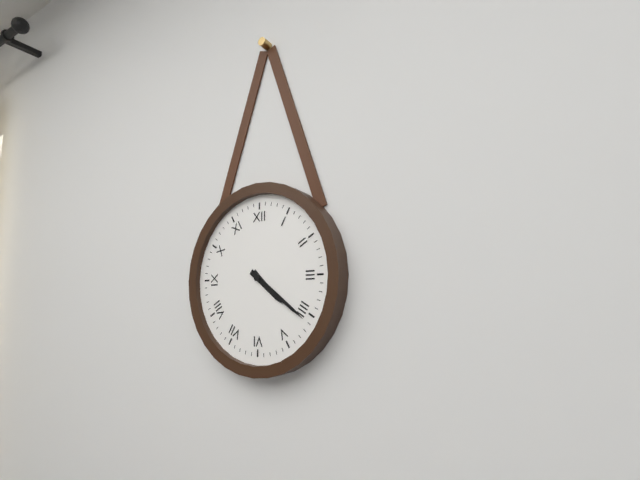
4:21
